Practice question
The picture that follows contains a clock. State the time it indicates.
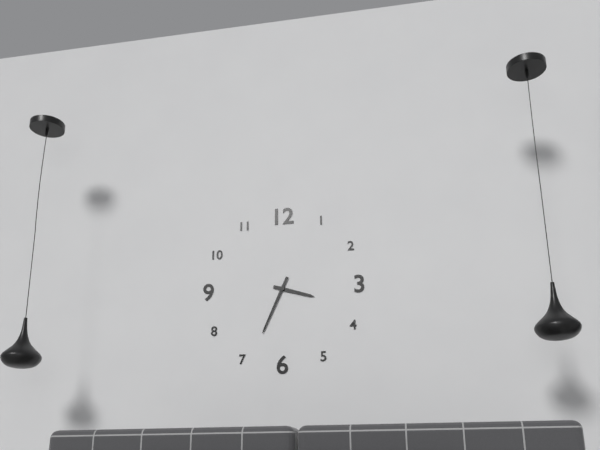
3:34
